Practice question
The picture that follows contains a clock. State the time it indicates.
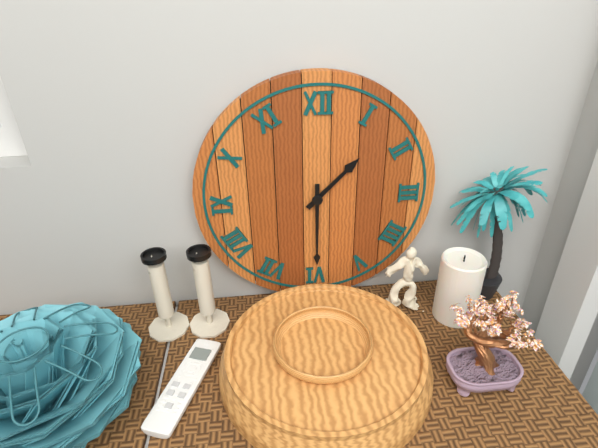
1:30
